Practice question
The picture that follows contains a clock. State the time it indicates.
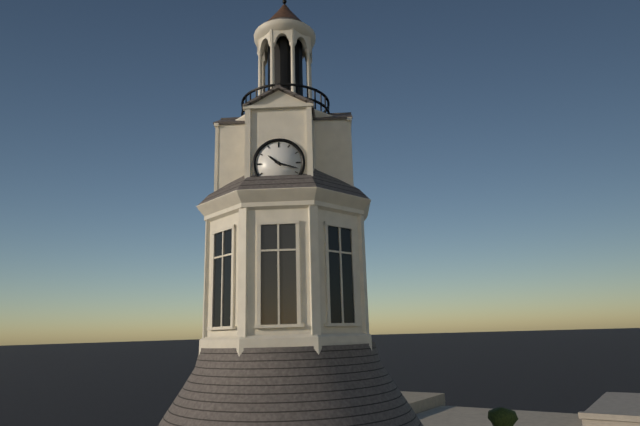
10:18
